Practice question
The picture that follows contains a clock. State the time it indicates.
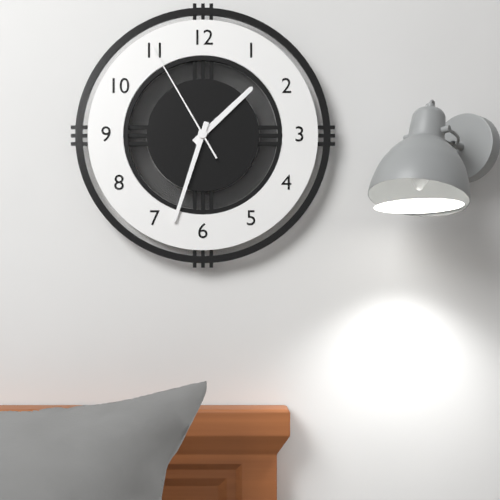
1:33:55
